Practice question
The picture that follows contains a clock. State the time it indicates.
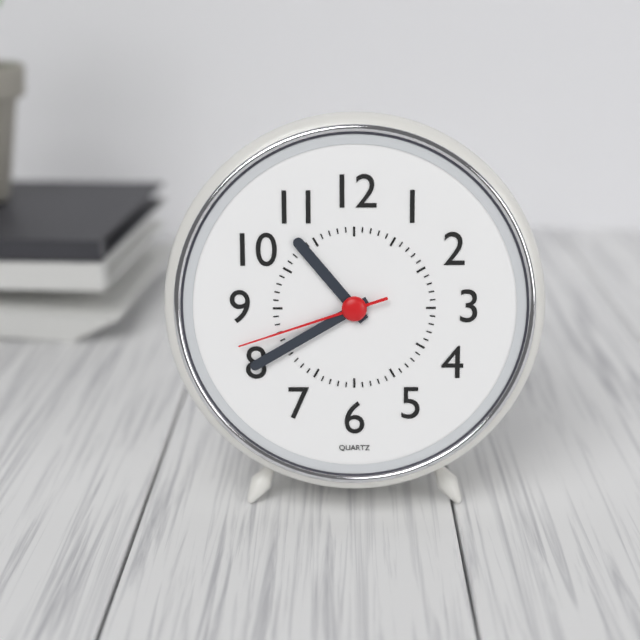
10:40:42
